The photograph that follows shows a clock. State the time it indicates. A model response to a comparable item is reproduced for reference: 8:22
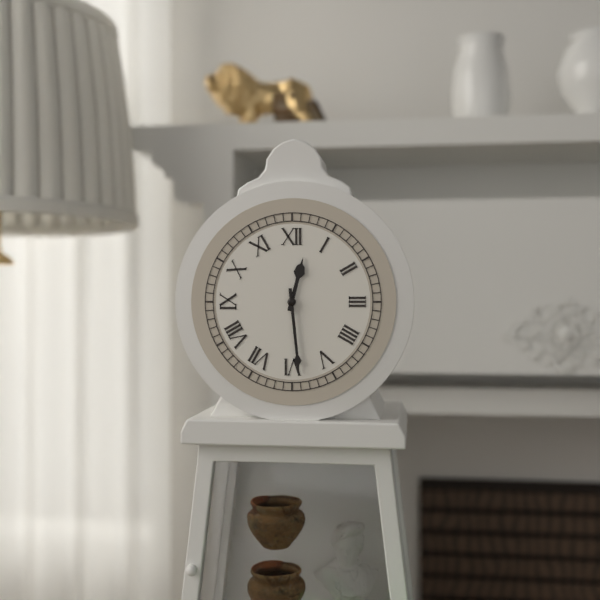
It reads 12:29
